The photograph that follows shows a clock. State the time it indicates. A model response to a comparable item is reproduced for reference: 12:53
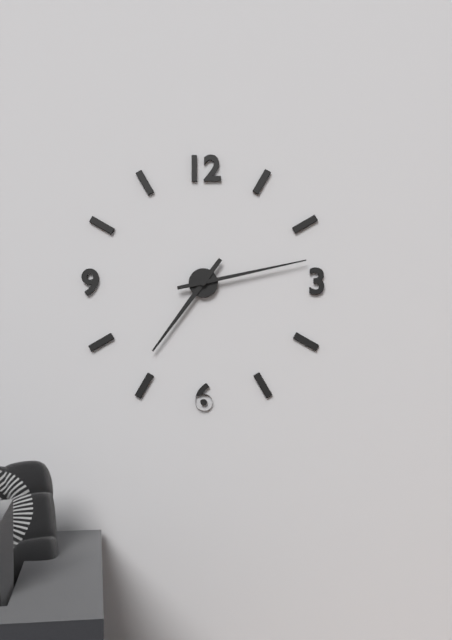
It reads 7:13
